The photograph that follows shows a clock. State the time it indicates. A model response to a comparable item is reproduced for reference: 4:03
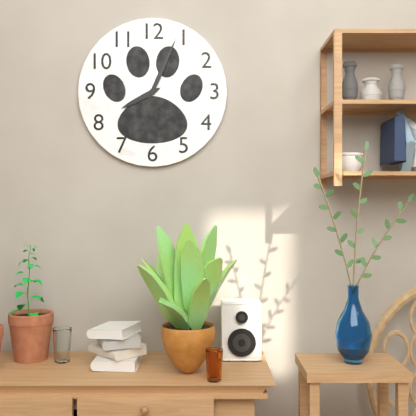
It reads 8:04
